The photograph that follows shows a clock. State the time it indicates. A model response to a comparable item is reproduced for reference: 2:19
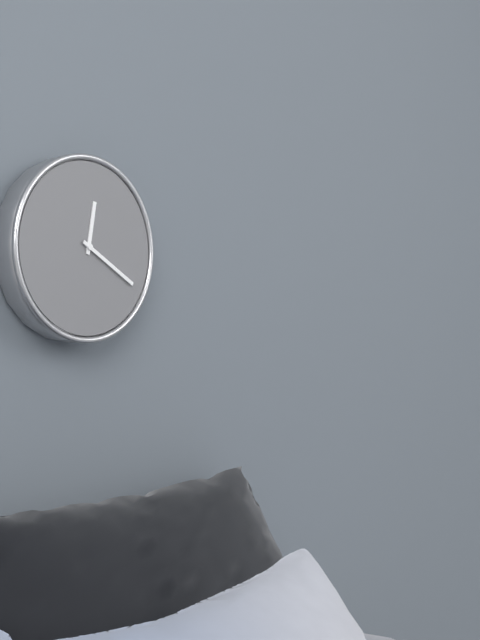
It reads 12:20
